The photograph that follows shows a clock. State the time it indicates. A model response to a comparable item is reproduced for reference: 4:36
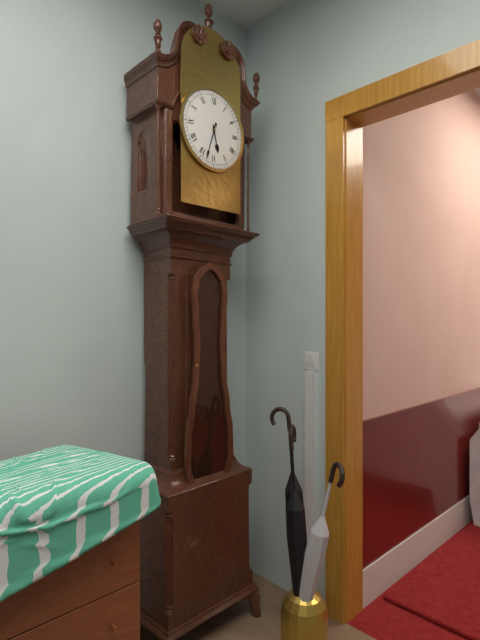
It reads 5:33
